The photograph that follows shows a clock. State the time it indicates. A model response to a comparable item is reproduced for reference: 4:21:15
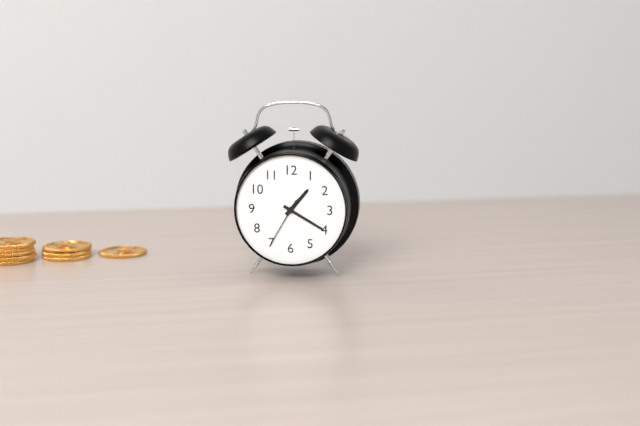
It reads 1:20:35
